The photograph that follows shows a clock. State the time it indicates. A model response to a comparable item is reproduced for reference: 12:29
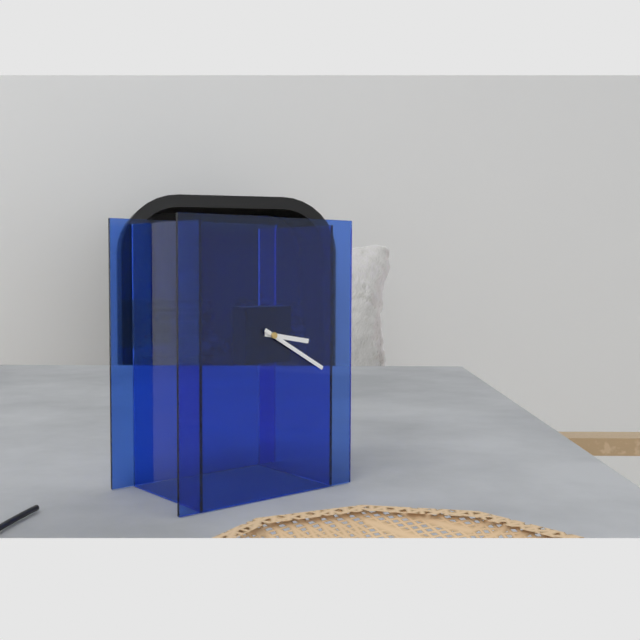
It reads 3:20
